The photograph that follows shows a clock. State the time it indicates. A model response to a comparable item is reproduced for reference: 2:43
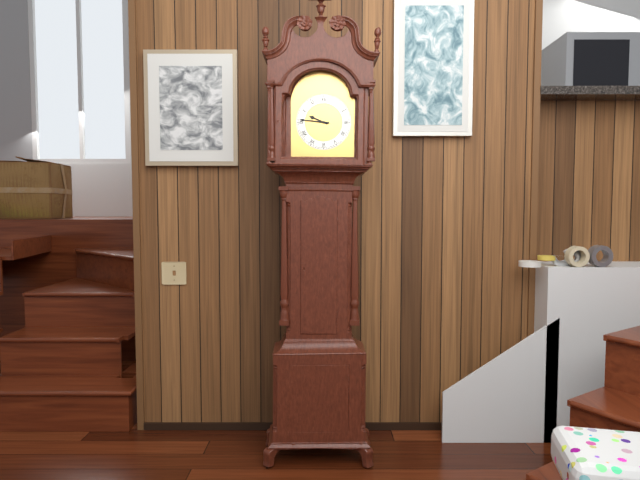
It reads 9:46
